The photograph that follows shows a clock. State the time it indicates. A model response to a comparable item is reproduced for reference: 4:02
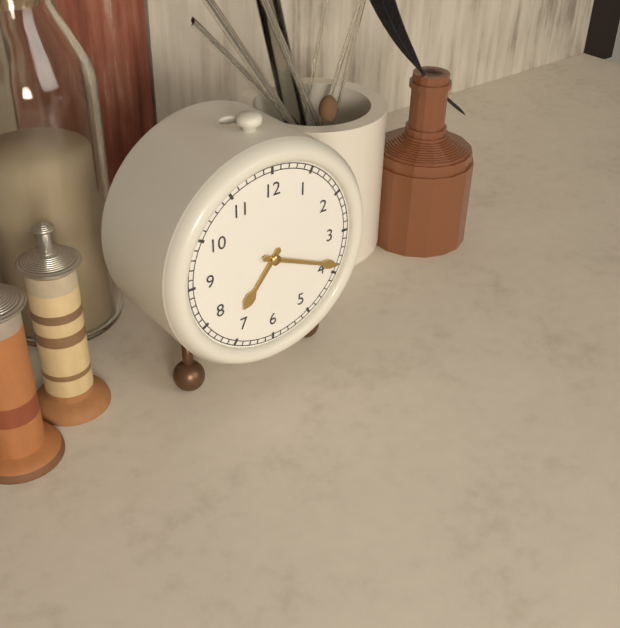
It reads 7:19
